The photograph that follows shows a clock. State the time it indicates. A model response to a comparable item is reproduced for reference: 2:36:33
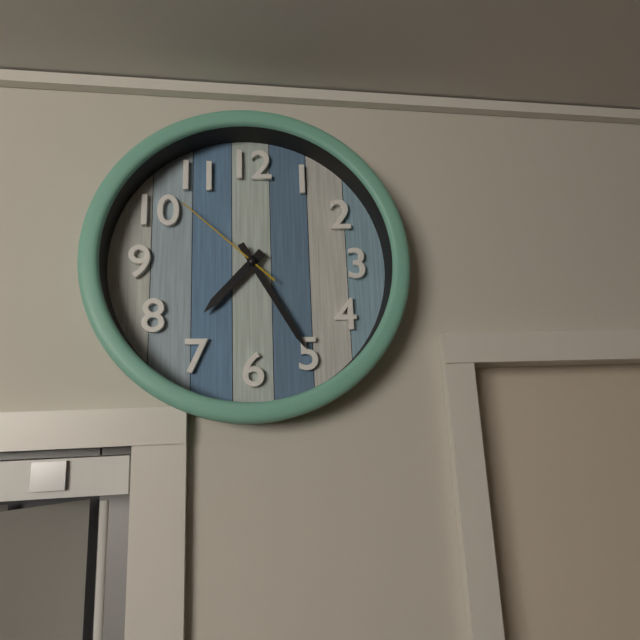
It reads 7:25:52
